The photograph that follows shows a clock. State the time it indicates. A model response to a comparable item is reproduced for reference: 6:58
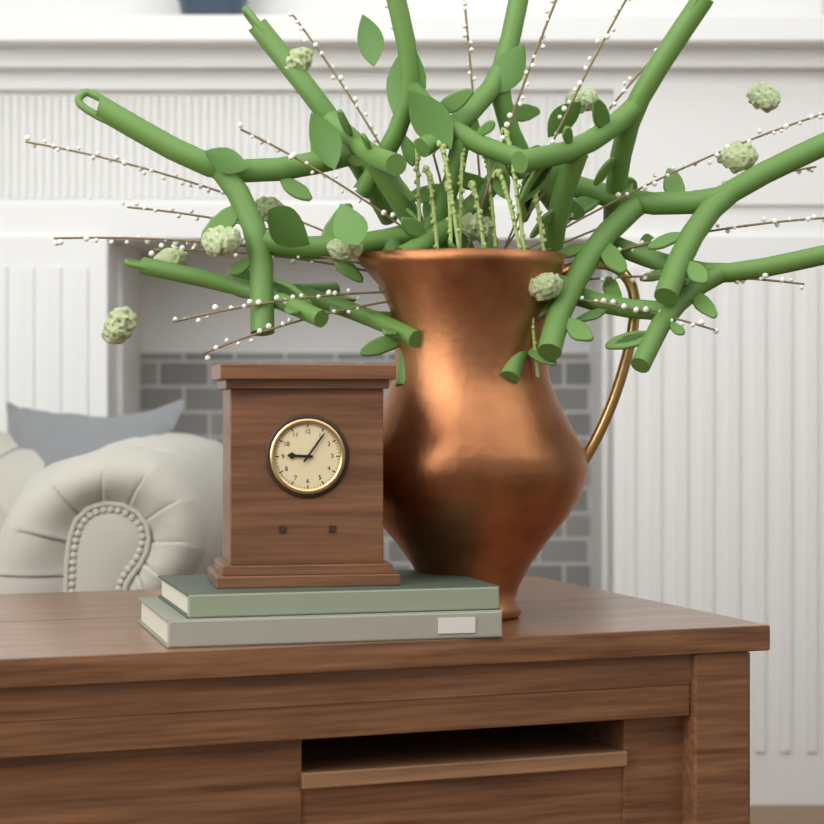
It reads 9:06
